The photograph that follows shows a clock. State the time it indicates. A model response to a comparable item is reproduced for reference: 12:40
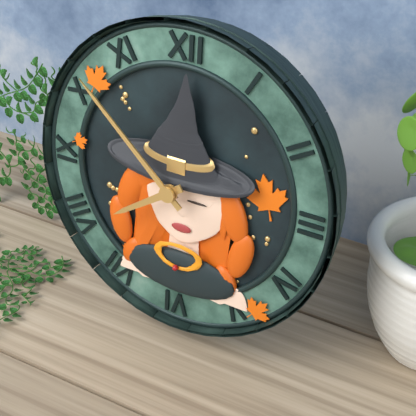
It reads 7:52
